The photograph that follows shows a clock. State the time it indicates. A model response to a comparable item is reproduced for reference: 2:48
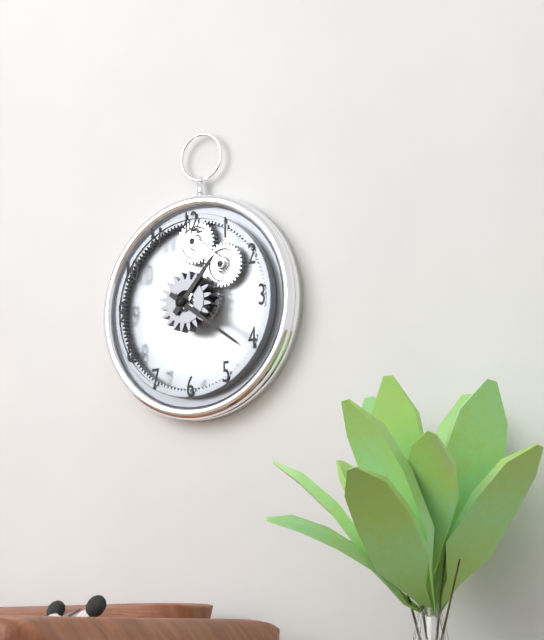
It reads 1:21
